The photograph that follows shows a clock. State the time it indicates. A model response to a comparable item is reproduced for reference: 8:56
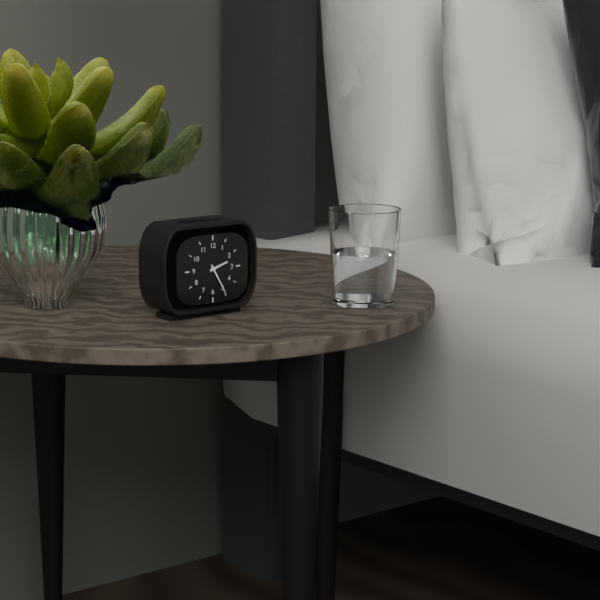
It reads 2:25
